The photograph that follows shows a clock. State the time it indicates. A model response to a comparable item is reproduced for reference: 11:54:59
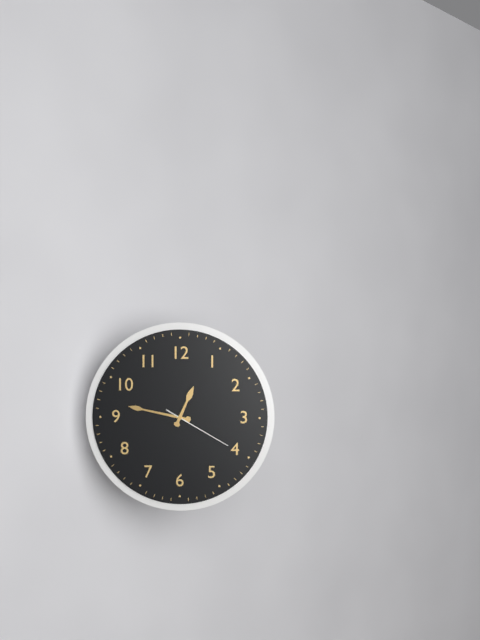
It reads 12:47:20
